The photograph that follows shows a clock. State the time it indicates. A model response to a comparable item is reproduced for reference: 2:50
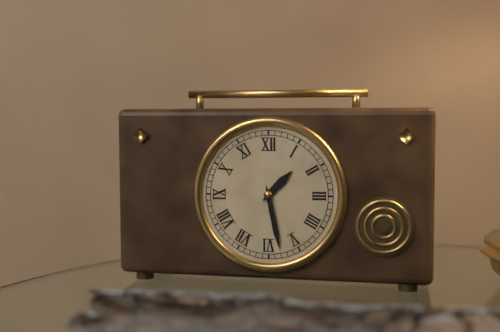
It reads 1:28
